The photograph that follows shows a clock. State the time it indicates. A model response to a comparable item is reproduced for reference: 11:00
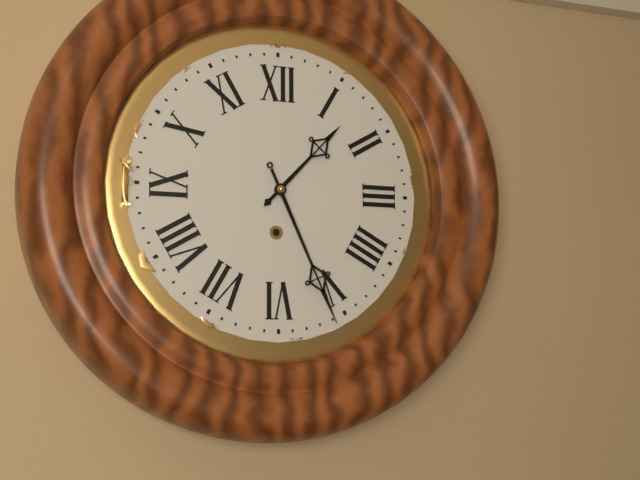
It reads 1:26
